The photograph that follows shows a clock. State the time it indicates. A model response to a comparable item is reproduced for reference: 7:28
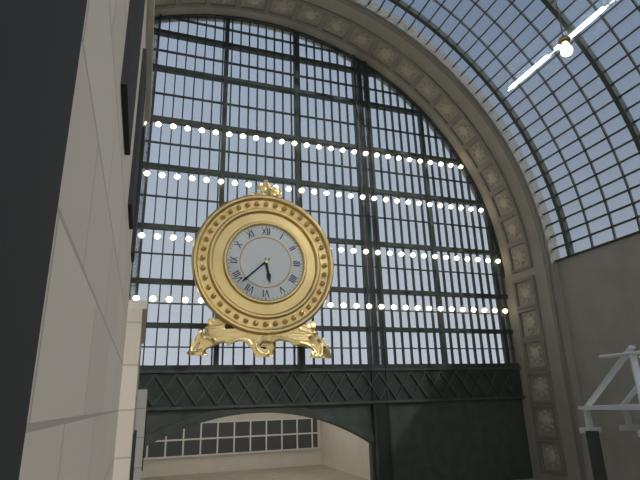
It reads 5:38
